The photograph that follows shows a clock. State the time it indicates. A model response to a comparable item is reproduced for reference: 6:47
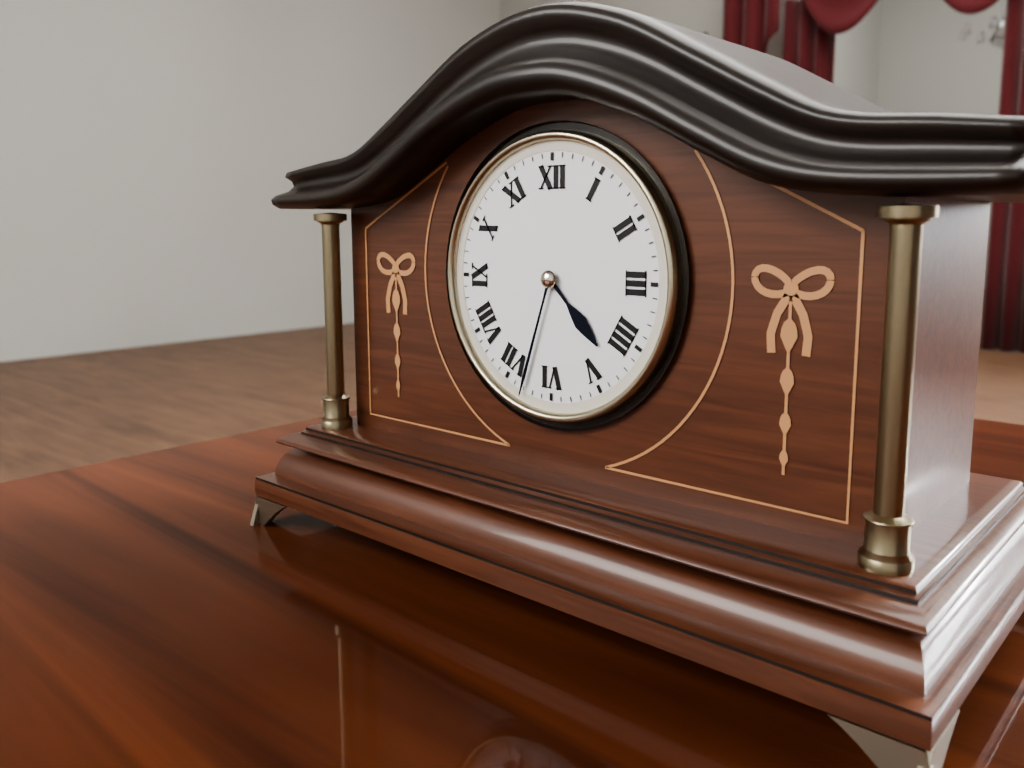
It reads 4:33
